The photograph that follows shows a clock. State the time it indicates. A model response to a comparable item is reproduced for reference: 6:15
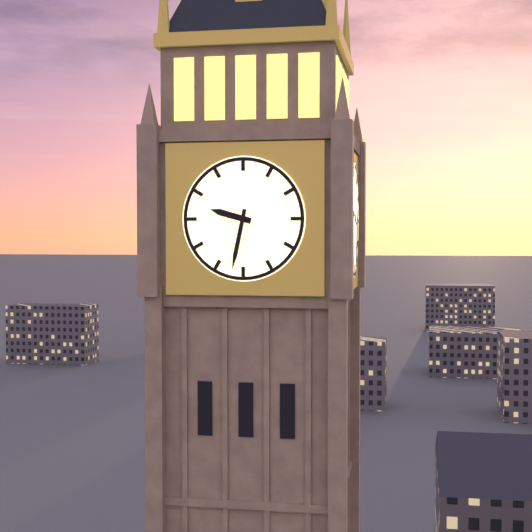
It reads 9:32
